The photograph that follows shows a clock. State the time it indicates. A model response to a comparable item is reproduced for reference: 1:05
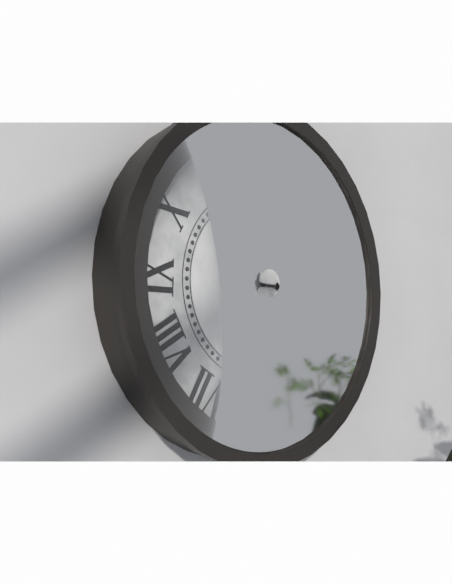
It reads 3:02
